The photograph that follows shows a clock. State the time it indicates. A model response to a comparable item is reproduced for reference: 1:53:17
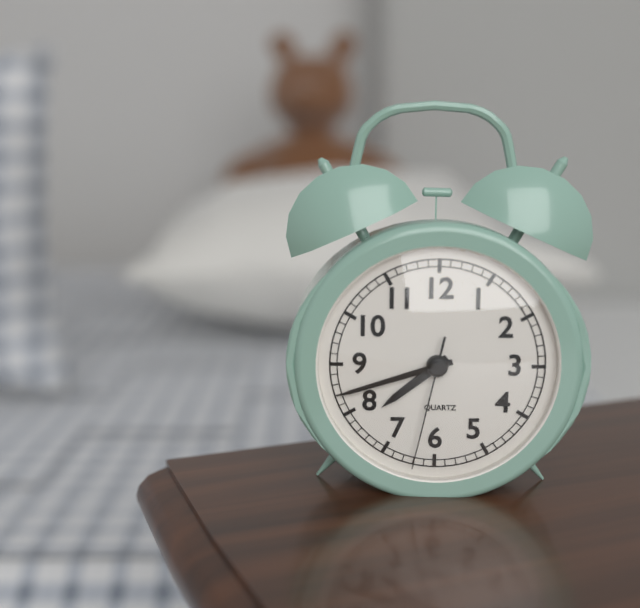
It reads 7:42:32
